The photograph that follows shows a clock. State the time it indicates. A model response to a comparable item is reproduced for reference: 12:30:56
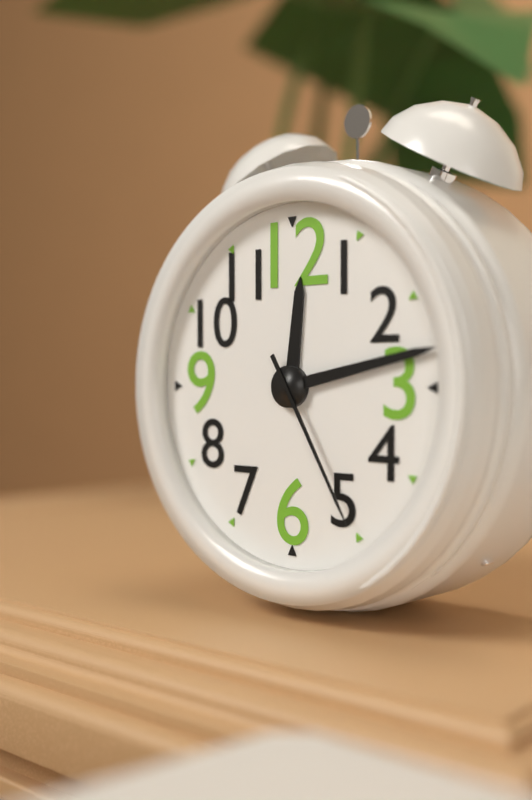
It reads 12:13:25
